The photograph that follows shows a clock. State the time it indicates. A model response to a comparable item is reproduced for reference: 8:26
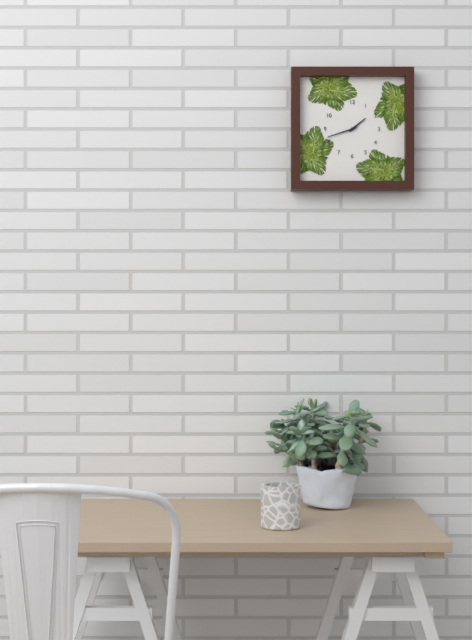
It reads 1:42
